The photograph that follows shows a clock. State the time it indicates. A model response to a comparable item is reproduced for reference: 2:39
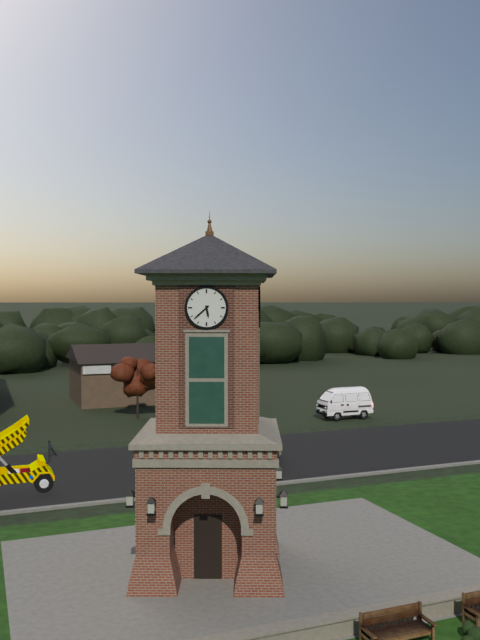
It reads 5:38
